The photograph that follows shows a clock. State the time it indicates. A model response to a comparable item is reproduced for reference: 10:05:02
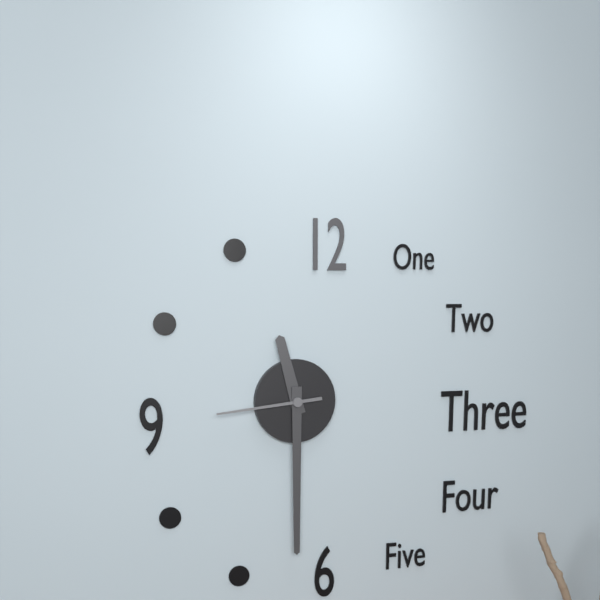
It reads 11:30:44
